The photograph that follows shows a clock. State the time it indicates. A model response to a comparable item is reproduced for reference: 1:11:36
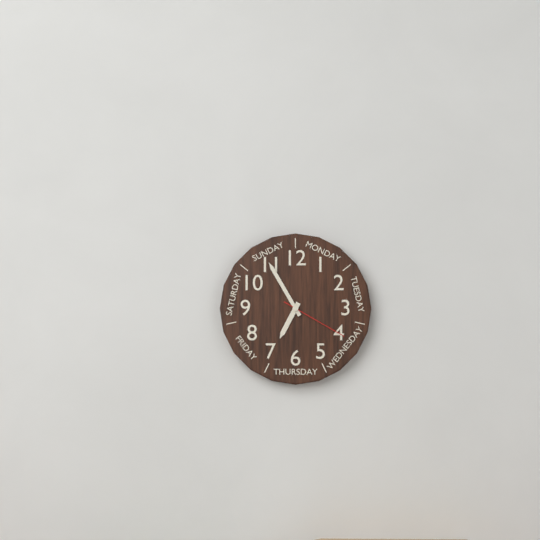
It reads 6:55:20
